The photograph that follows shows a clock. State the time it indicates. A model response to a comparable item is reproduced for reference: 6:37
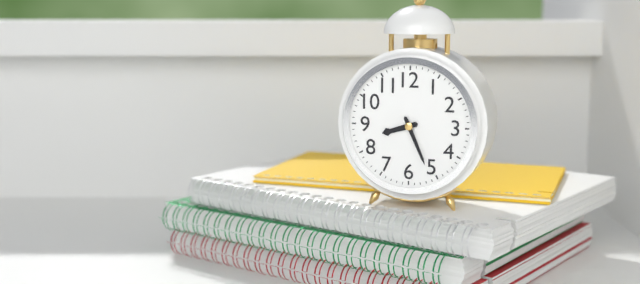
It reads 8:26
